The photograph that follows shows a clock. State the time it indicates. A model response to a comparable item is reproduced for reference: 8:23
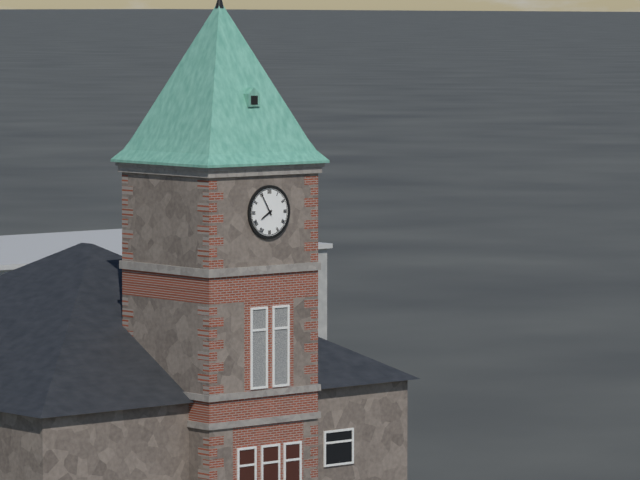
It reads 7:55
